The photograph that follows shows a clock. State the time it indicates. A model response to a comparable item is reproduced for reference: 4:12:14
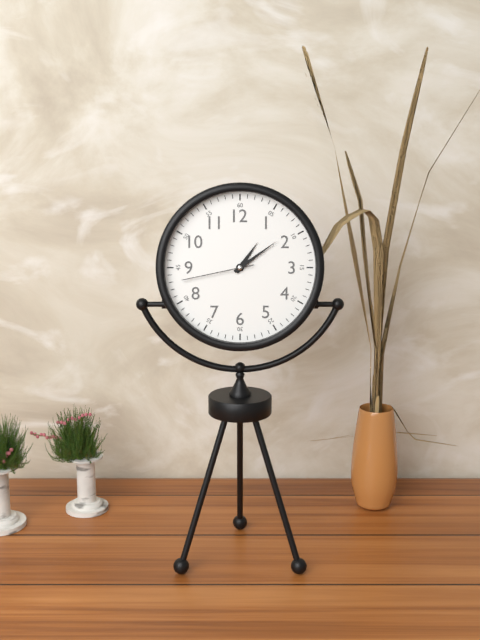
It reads 1:09:43
